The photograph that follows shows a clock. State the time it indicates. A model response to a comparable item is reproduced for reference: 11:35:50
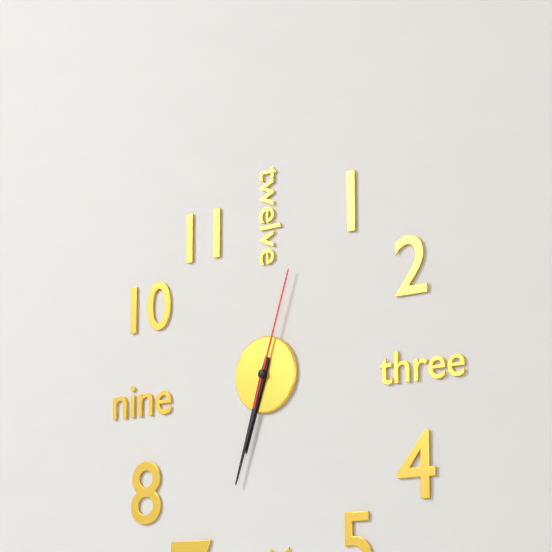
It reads 6:33:03
